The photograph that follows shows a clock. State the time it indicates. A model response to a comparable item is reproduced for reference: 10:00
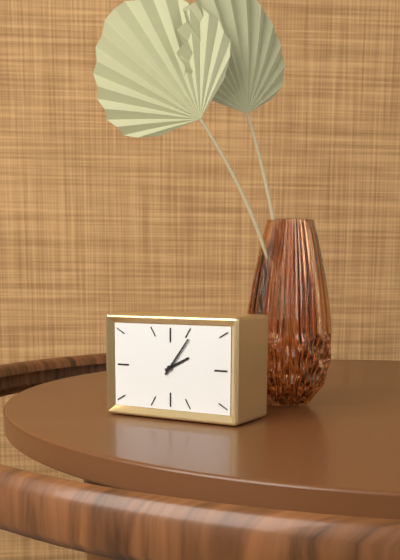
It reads 2:06
